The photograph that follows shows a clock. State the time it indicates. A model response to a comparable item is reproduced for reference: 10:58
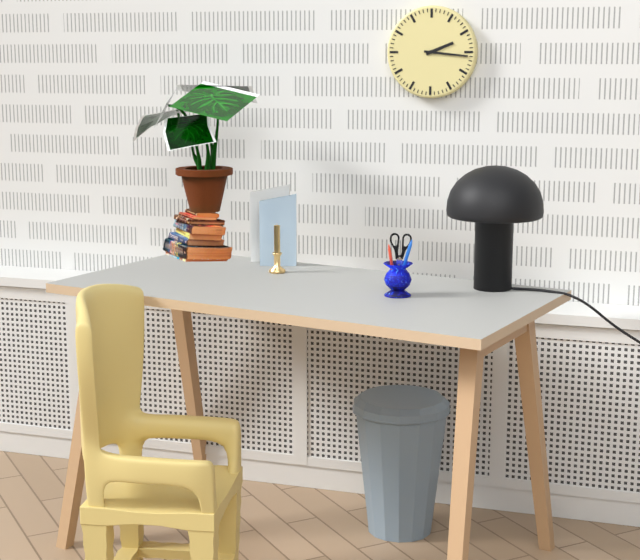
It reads 2:16
